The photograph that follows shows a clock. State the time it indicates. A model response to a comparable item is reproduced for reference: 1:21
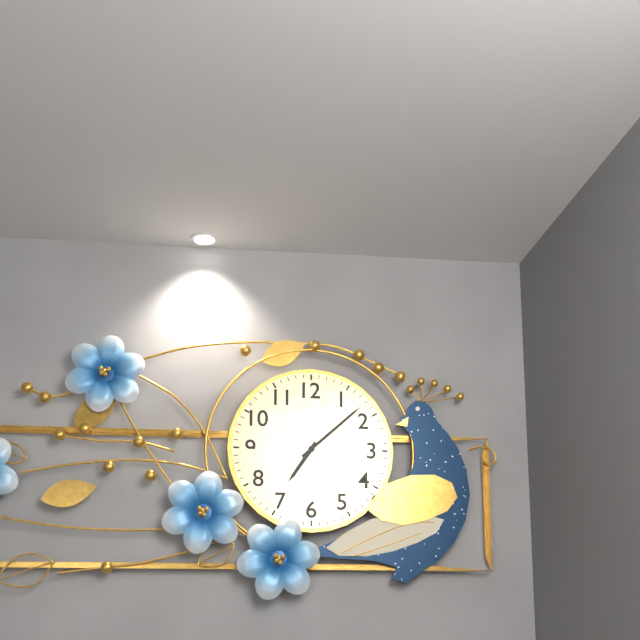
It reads 7:08
